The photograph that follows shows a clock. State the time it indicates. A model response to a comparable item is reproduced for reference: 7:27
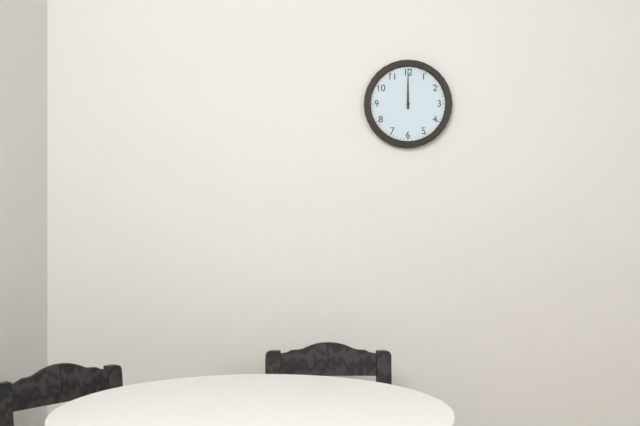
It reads 12:00
